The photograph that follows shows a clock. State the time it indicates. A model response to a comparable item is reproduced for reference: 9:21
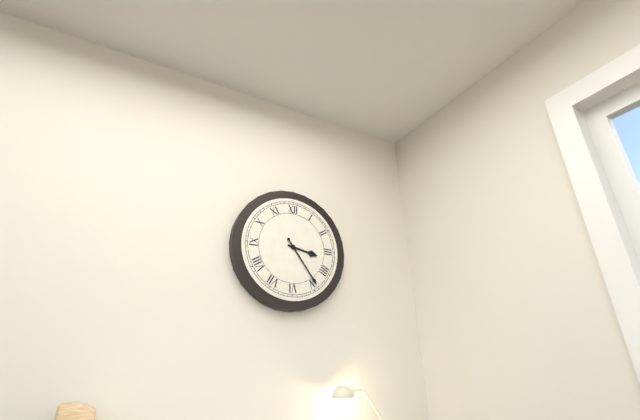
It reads 3:24
